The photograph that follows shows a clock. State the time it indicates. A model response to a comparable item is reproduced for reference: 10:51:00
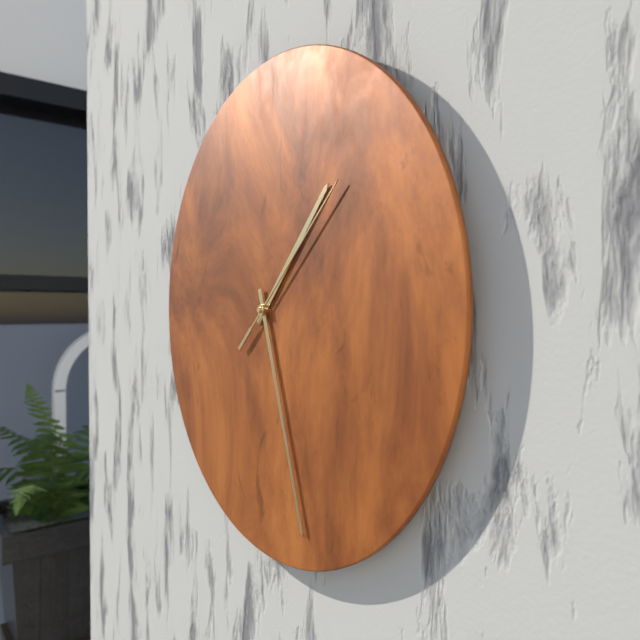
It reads 1:27:08
